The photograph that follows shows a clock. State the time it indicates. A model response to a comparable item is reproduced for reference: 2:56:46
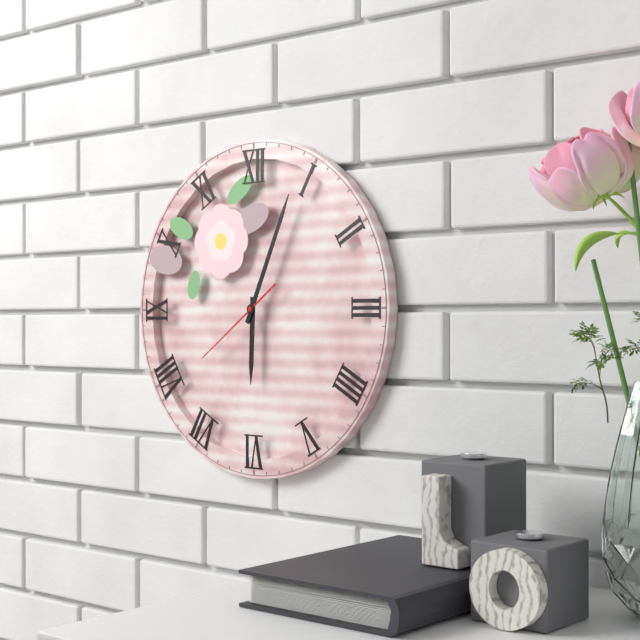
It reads 6:04:39
